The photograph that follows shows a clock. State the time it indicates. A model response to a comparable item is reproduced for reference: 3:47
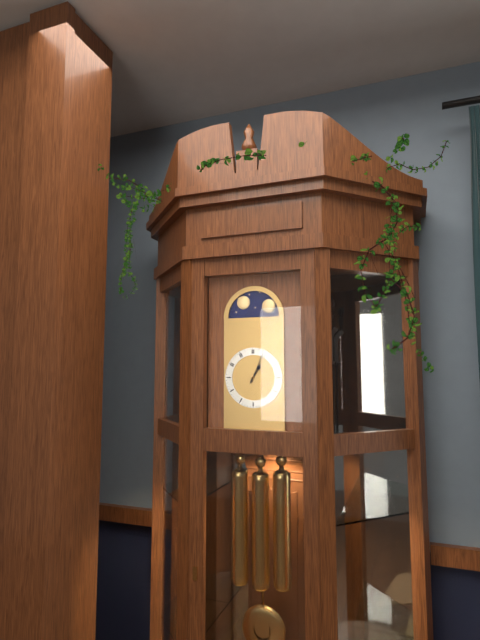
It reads 1:04
